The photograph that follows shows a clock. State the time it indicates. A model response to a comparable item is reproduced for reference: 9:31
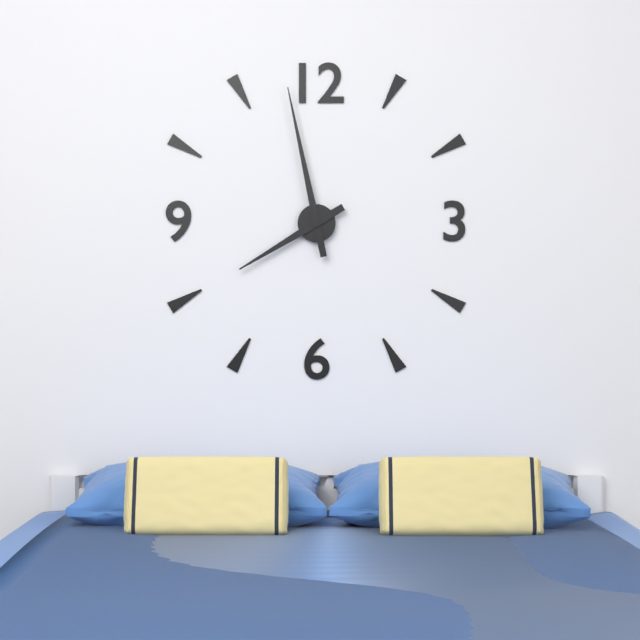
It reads 7:58
